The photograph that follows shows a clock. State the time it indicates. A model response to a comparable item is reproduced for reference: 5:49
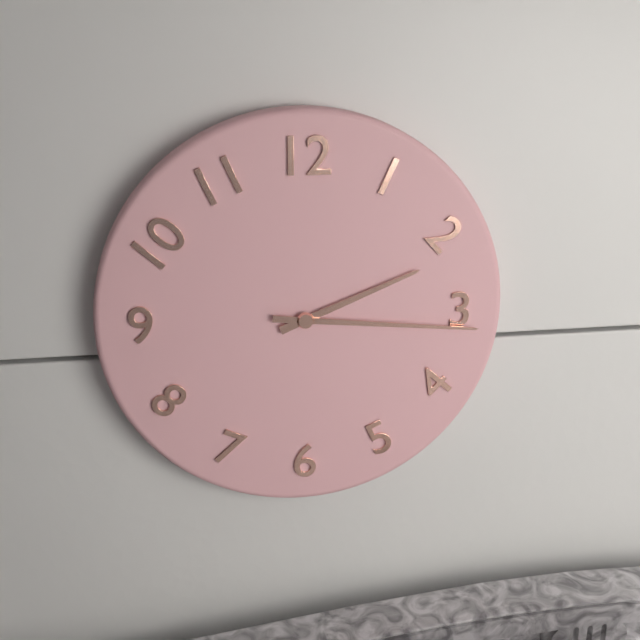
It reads 2:16
